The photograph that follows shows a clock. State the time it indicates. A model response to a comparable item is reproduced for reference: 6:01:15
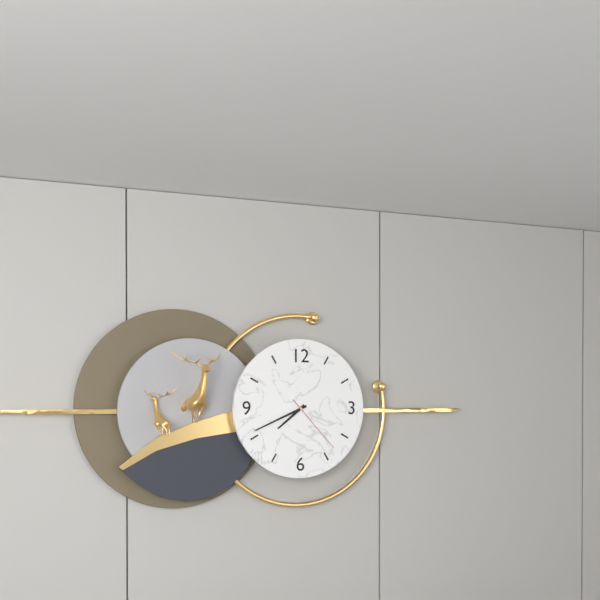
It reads 7:41:23
